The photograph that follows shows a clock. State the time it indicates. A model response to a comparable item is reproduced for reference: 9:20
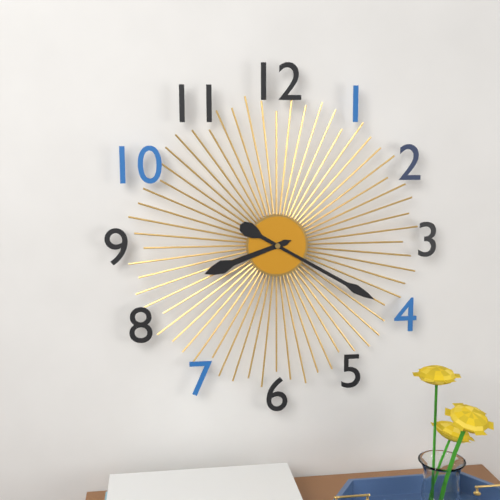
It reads 8:20
